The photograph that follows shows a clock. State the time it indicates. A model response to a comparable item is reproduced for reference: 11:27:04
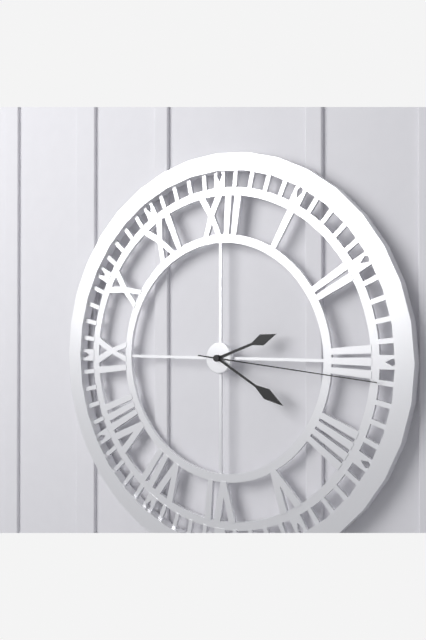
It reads 2:20:16
